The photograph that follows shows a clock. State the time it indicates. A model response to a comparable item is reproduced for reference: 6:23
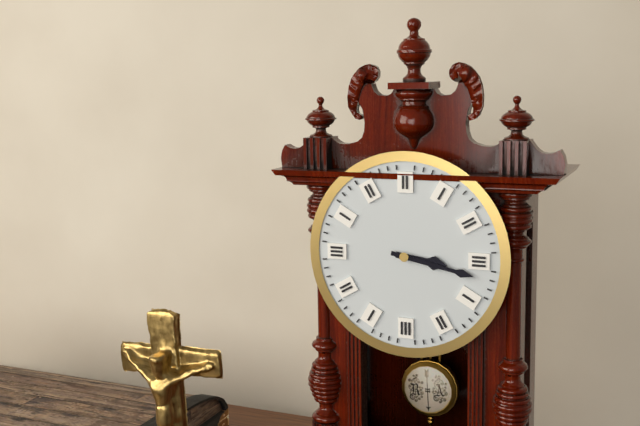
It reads 3:17
